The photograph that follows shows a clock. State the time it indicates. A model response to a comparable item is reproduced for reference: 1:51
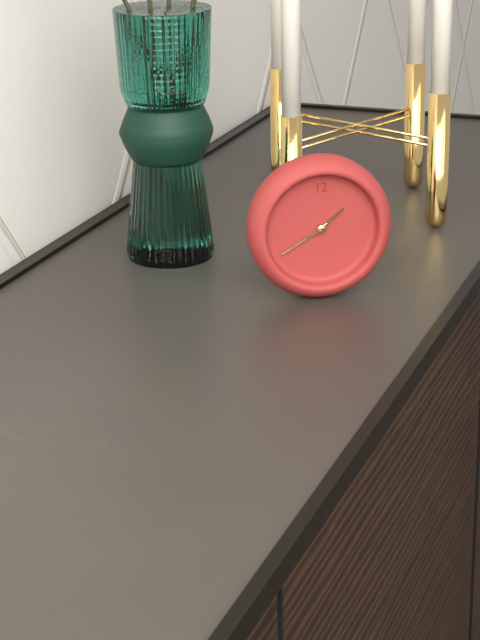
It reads 1:40
